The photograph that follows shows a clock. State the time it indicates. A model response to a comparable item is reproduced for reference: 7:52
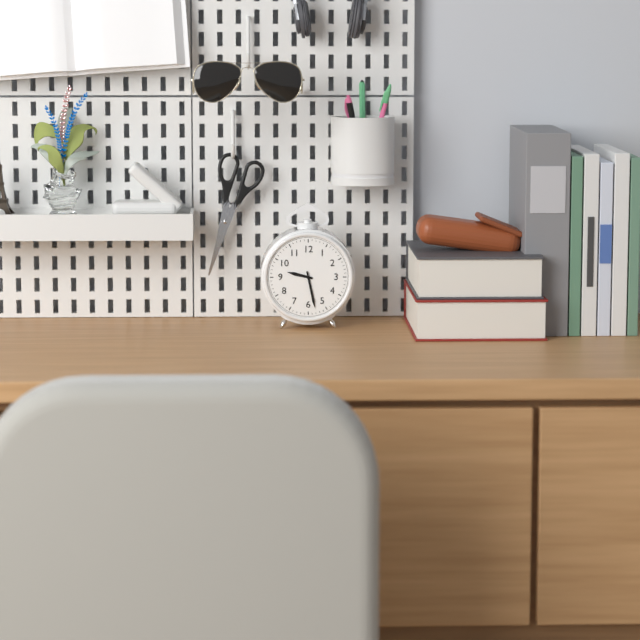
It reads 9:28
